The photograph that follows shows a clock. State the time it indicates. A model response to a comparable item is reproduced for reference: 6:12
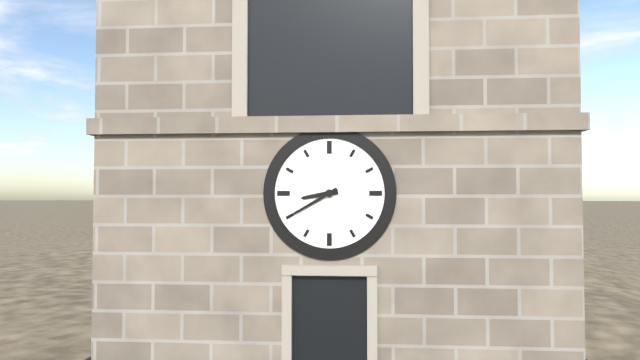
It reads 8:40
